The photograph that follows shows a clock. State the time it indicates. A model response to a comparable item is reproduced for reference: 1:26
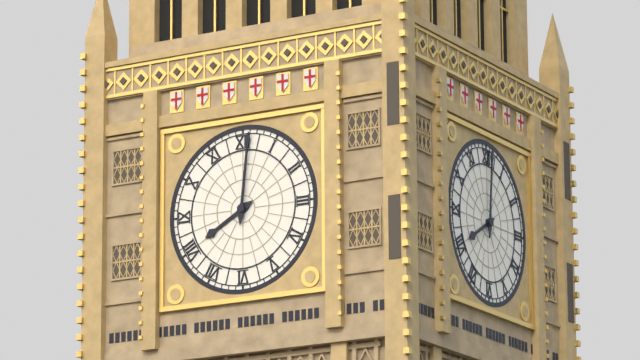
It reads 8:01
